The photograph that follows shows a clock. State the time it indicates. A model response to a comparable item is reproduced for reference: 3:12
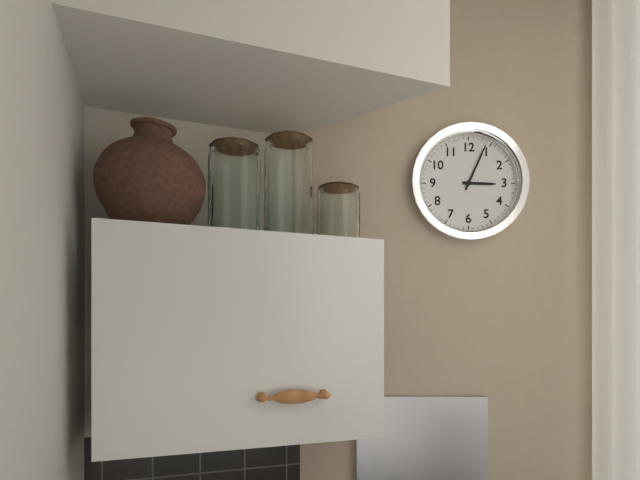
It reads 3:04
